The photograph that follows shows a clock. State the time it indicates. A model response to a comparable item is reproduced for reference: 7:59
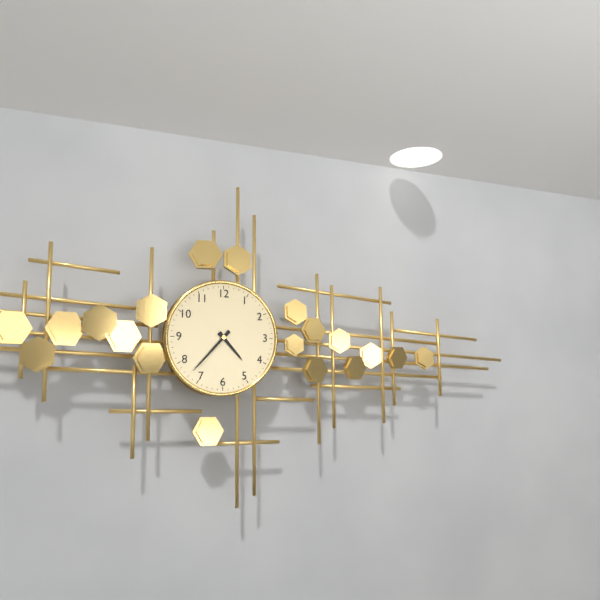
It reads 4:37
